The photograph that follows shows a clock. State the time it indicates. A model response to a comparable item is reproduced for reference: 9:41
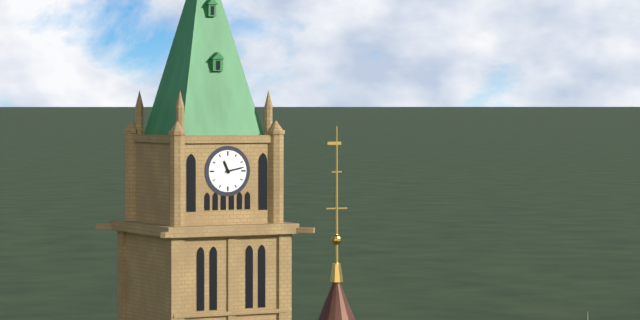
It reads 11:13
